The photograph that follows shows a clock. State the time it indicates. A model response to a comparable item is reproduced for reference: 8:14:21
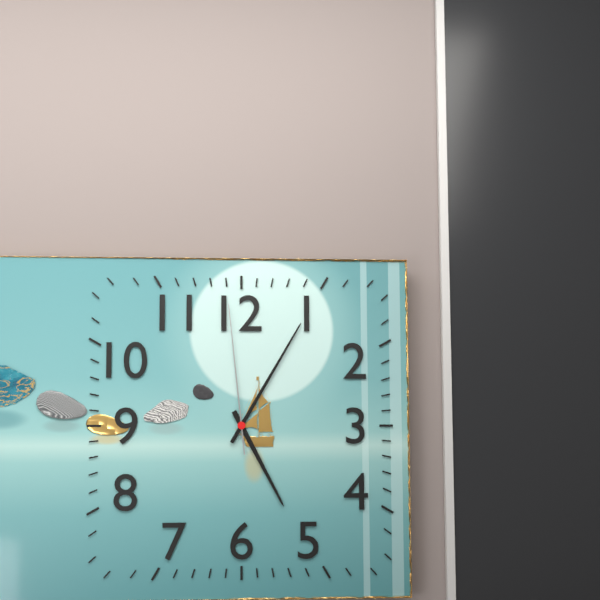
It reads 5:05:59
